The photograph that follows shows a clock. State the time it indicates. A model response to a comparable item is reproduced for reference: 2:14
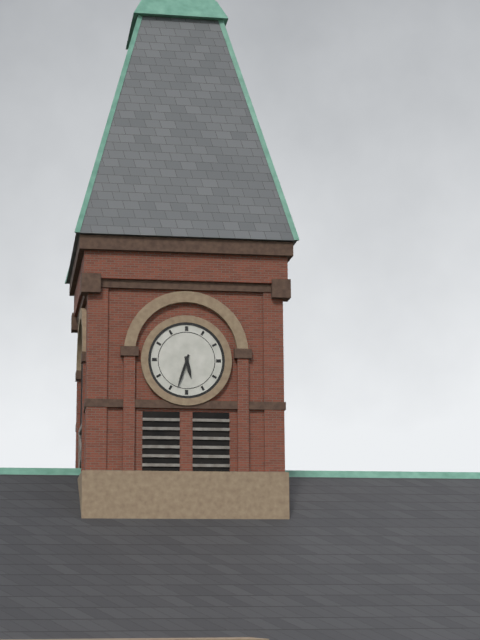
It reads 5:33
